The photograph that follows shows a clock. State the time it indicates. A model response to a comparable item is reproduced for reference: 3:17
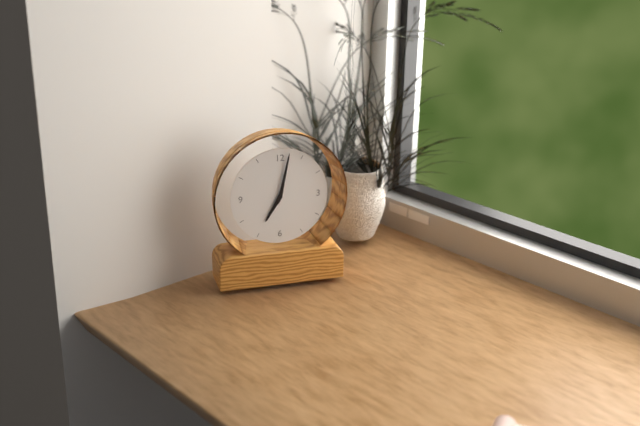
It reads 7:02
